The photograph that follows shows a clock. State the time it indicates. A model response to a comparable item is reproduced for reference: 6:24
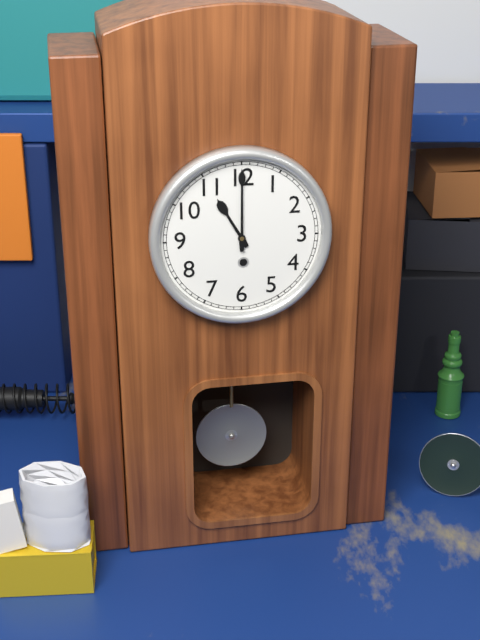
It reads 11:00
